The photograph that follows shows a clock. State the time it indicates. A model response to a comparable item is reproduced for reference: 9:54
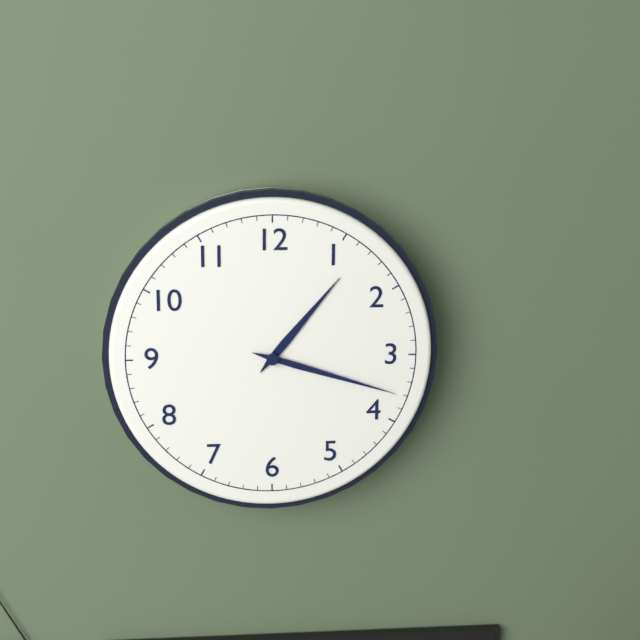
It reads 1:18
